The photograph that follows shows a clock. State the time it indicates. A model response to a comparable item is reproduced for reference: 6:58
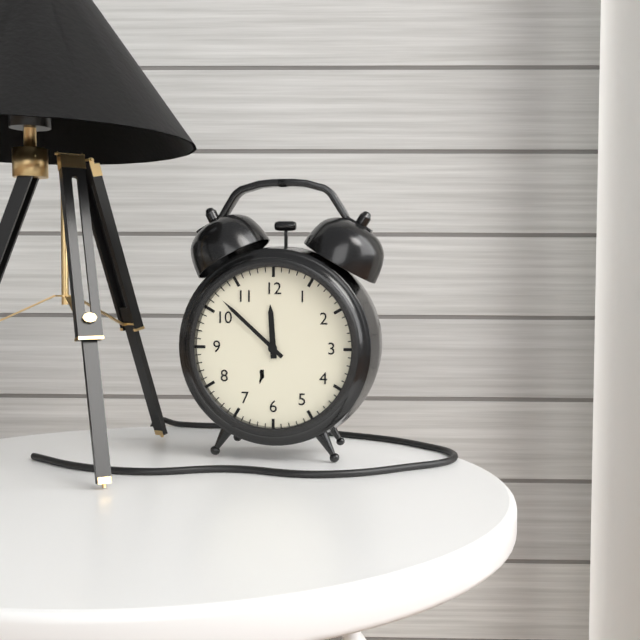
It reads 11:52
